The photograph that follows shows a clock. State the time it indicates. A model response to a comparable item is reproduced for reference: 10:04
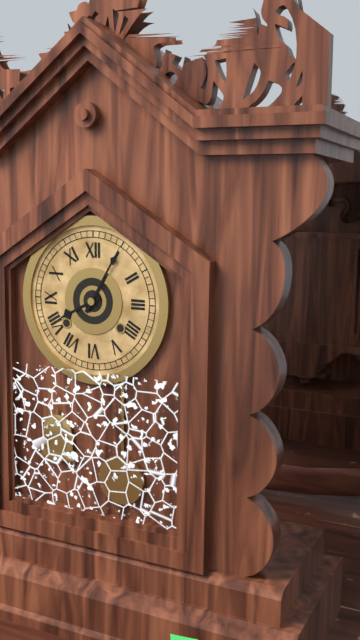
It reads 8:05
